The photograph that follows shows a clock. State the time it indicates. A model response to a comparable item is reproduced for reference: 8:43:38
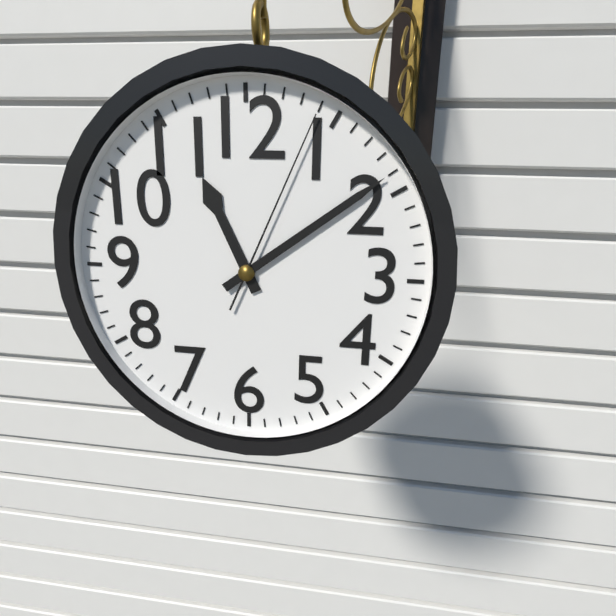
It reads 11:09:04
